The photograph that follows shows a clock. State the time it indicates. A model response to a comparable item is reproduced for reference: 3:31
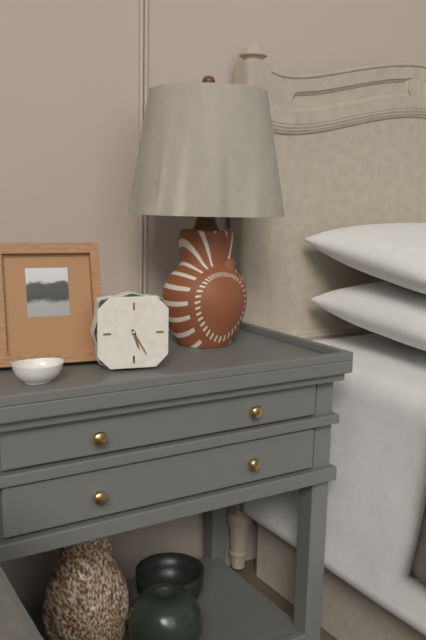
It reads 5:25
